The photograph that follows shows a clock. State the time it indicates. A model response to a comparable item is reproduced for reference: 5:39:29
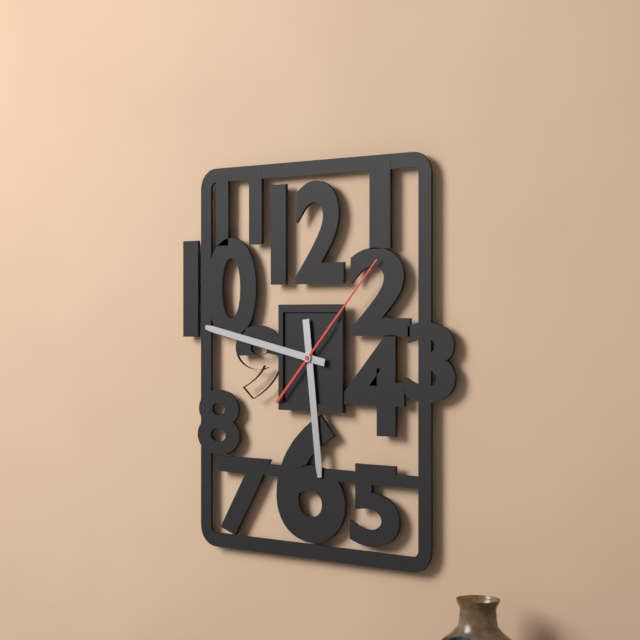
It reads 5:47:07
